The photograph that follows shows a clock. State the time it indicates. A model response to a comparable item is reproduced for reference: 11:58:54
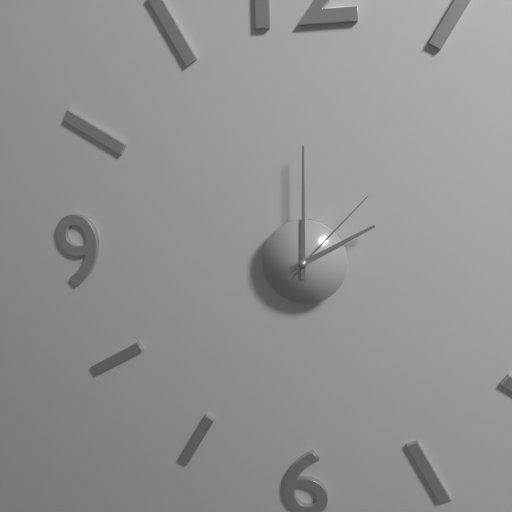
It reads 2:00:07
